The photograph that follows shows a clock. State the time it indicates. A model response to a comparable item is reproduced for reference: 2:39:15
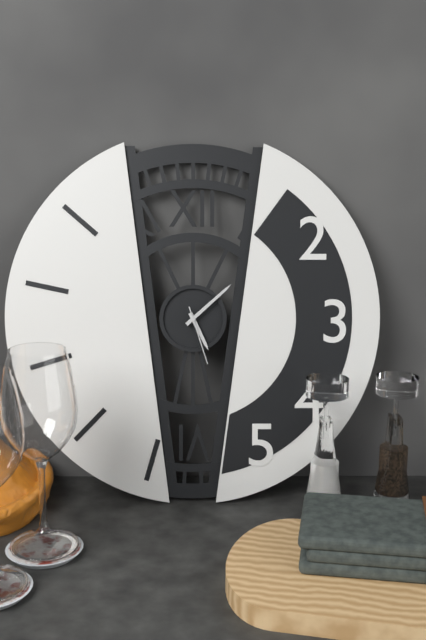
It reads 5:08:27
